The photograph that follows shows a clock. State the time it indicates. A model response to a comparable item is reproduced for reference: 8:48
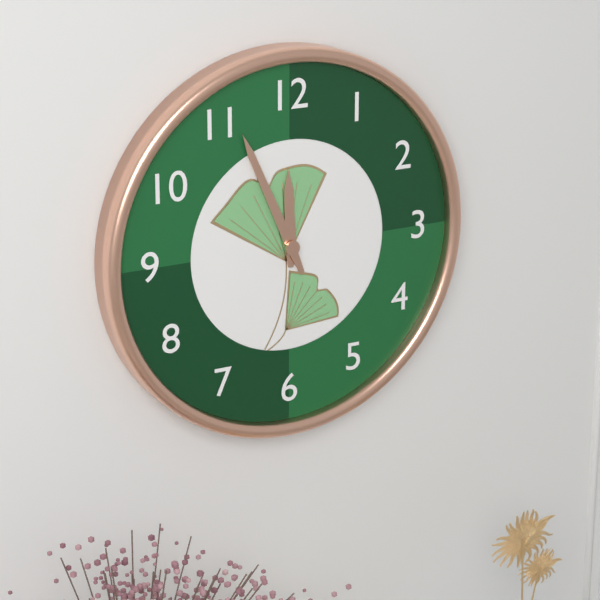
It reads 11:56
